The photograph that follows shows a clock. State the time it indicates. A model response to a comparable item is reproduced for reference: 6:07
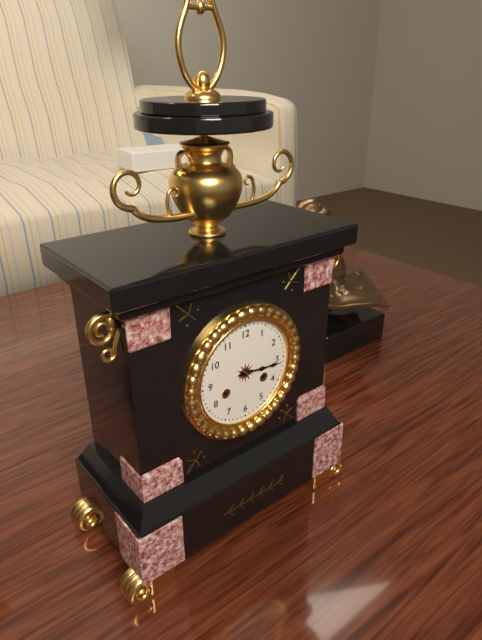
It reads 3:16
